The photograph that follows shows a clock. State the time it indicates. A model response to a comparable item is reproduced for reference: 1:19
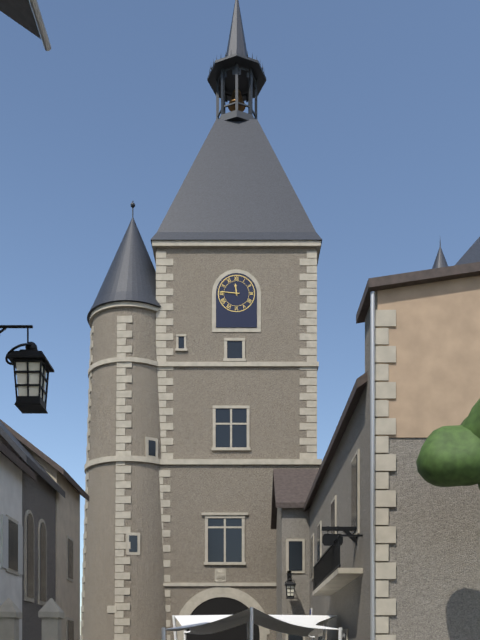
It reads 11:46
